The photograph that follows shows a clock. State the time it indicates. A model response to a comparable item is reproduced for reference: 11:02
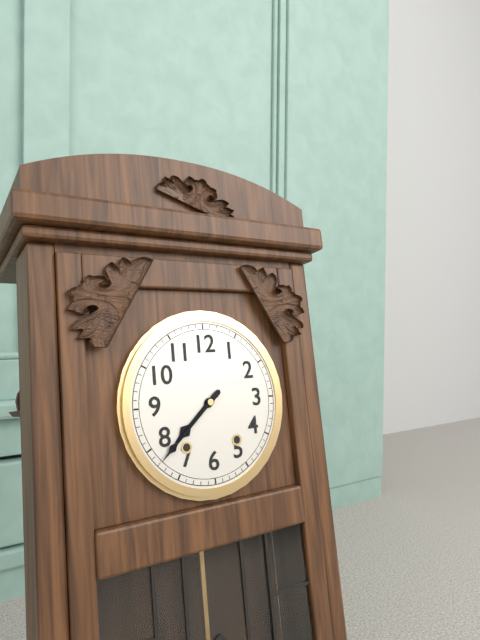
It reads 7:38
